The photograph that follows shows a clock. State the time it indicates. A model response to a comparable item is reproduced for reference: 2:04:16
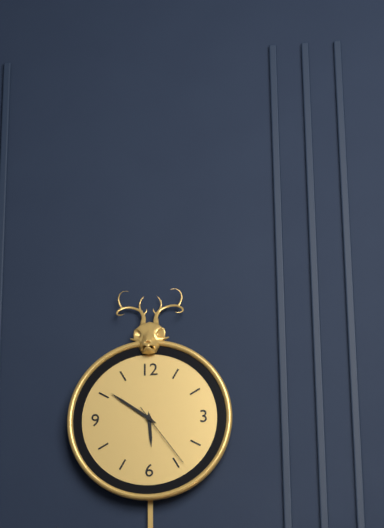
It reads 5:51:24
